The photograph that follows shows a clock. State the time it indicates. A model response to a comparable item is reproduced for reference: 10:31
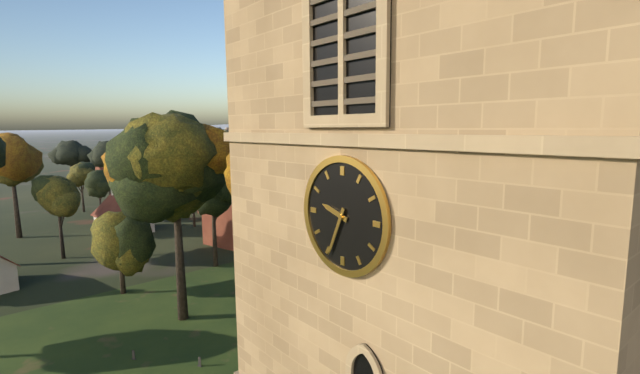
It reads 9:34
